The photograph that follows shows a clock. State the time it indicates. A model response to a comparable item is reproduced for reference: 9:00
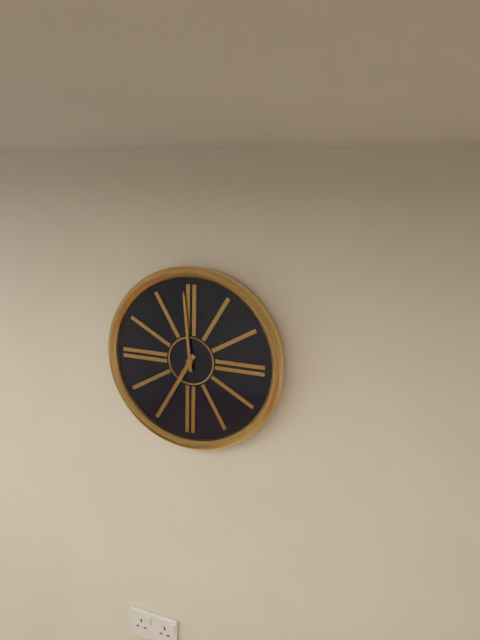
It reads 6:59
